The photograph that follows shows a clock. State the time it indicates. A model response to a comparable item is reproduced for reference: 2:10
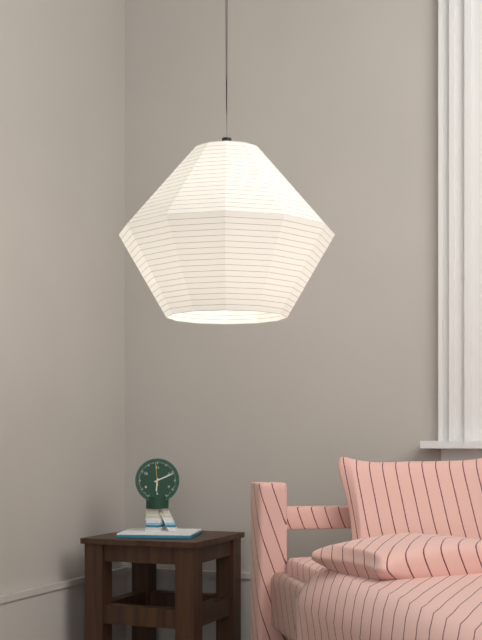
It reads 6:11
